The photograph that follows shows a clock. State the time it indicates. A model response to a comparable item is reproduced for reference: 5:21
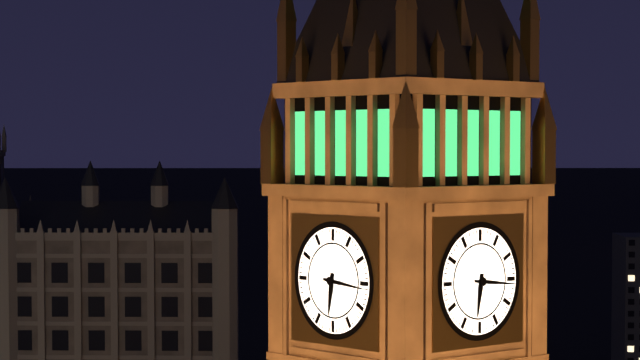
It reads 6:16
